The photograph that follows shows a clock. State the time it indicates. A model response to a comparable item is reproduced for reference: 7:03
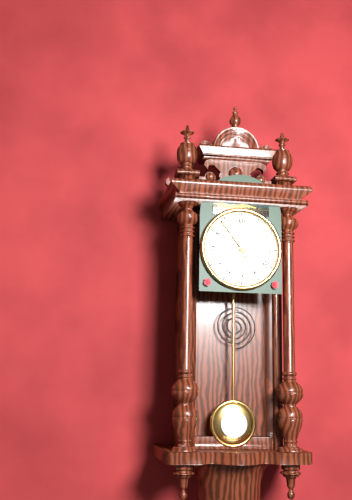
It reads 10:54
